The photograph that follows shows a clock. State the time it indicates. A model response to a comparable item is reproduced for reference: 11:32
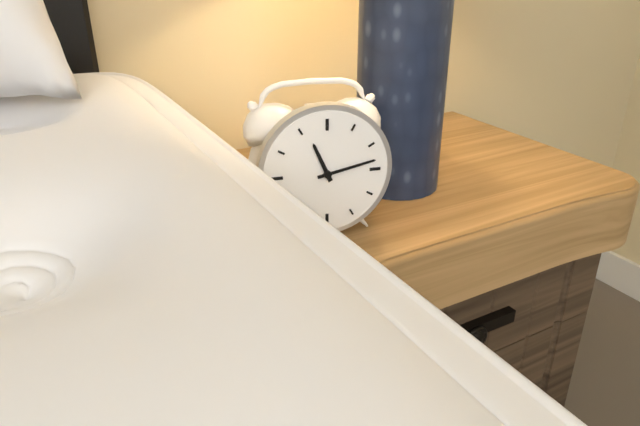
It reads 11:13
